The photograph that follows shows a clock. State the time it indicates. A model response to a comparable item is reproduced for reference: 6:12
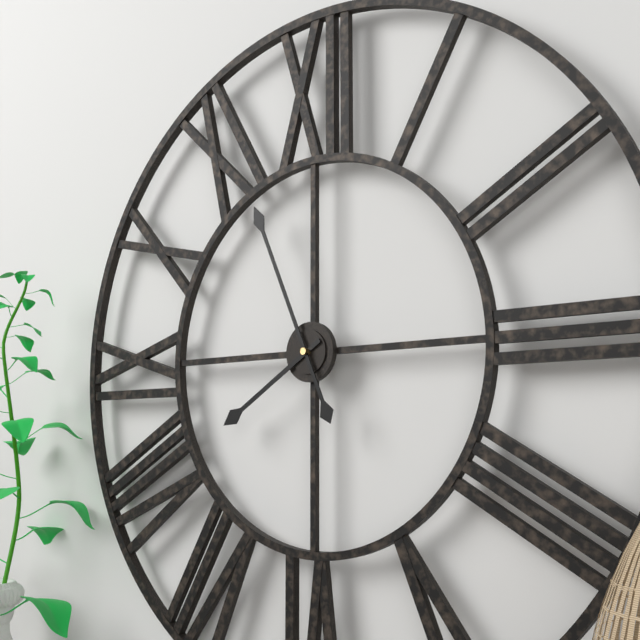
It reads 7:56
